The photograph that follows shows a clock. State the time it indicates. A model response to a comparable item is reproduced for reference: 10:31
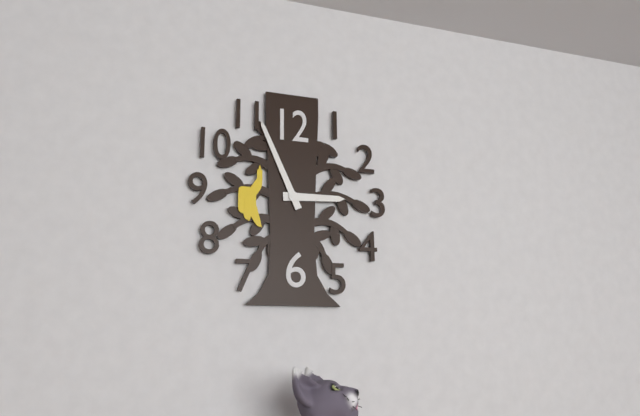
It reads 2:56
